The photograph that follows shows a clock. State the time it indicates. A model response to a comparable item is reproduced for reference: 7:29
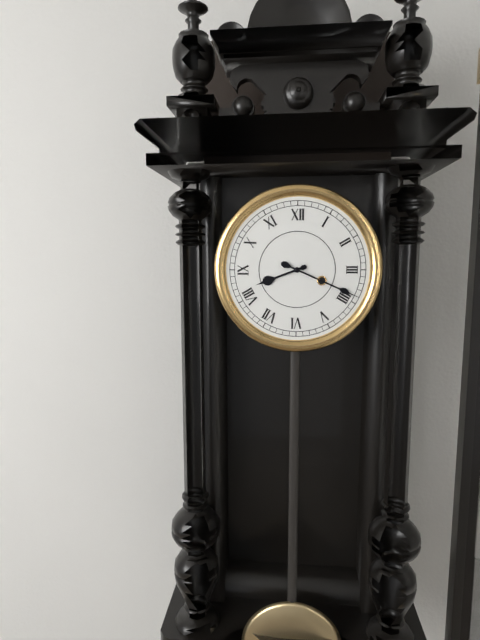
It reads 8:19
